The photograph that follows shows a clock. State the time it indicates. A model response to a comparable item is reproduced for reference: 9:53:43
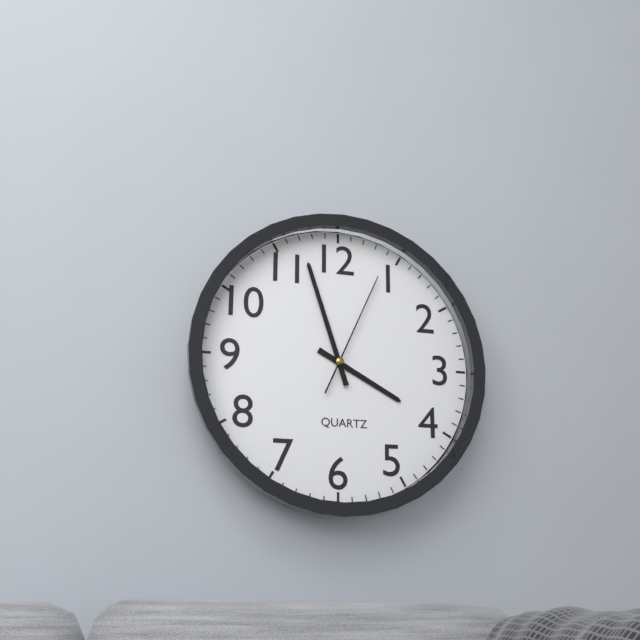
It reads 3:57:04
